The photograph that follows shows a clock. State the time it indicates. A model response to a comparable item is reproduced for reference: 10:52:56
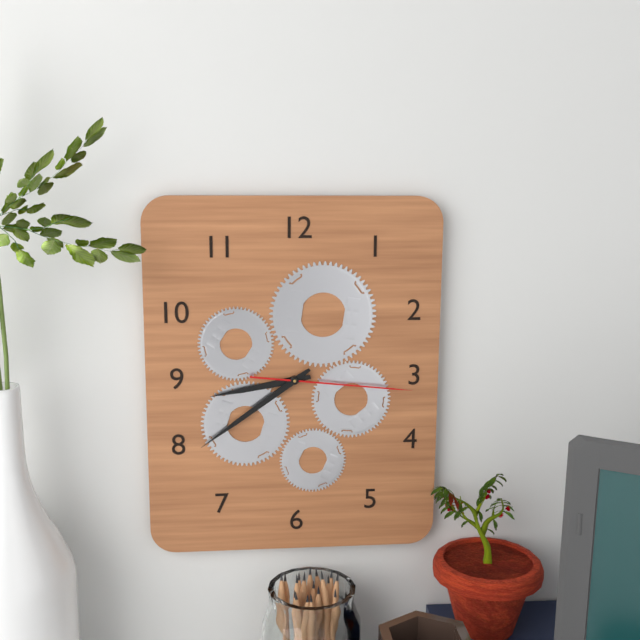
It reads 8:39:16
